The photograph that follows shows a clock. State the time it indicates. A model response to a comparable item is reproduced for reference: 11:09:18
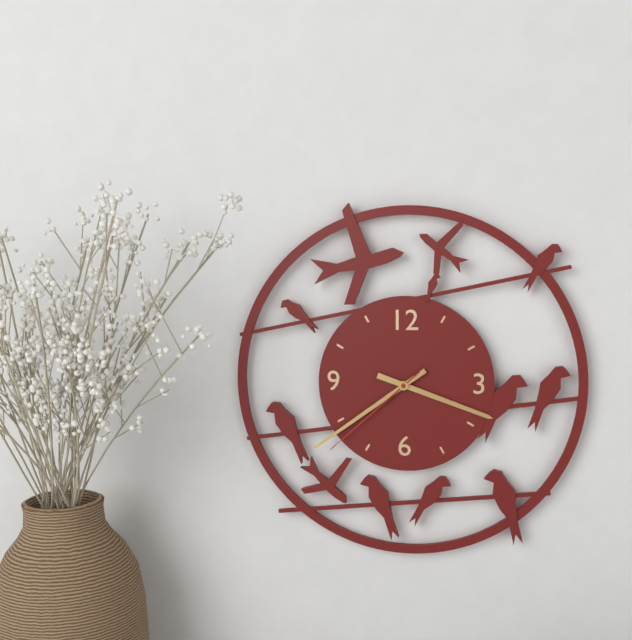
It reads 3:39:38
